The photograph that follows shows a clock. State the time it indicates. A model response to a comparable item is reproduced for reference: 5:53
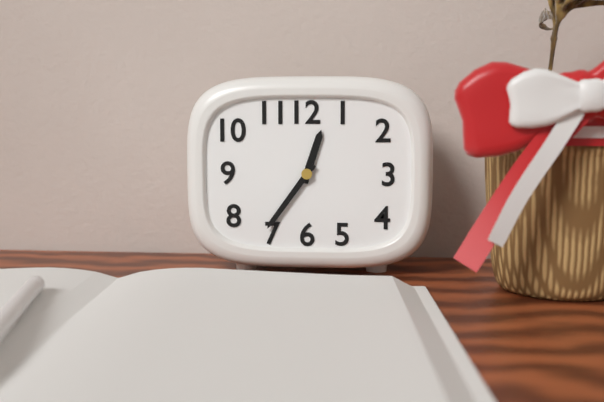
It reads 12:36
